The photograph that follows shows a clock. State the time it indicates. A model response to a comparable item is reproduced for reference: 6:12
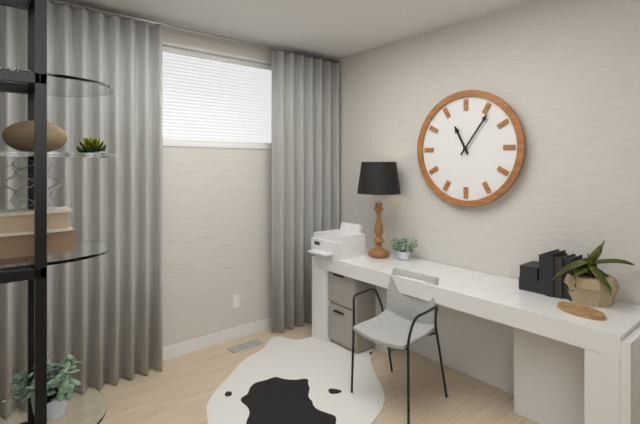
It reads 11:06
